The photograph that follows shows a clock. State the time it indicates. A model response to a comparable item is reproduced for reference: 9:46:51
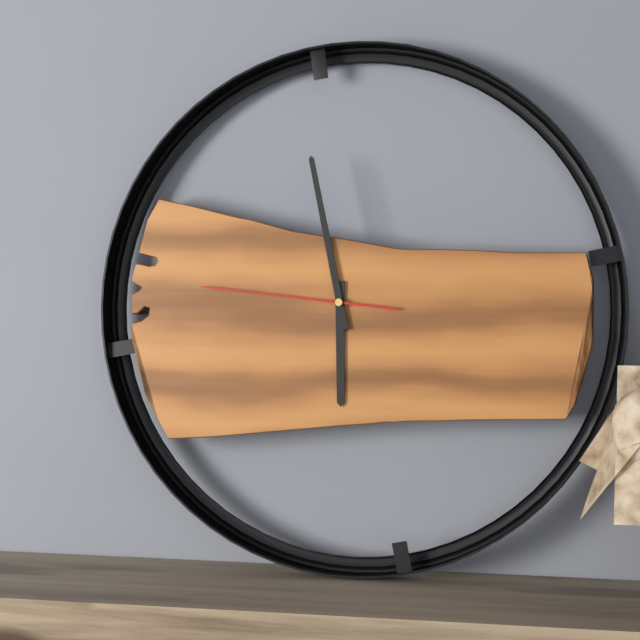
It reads 5:58:46
